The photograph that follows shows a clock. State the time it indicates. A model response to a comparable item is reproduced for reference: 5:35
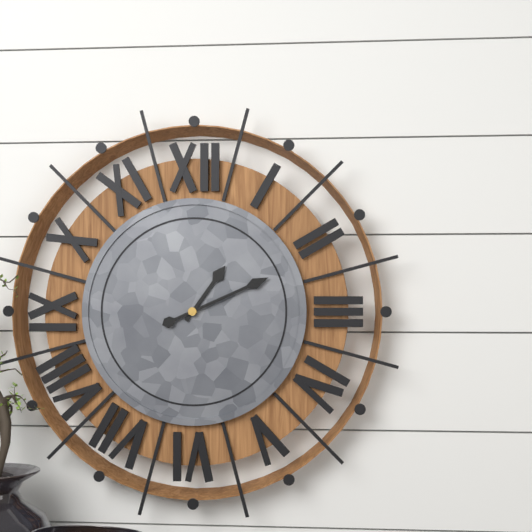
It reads 1:11
